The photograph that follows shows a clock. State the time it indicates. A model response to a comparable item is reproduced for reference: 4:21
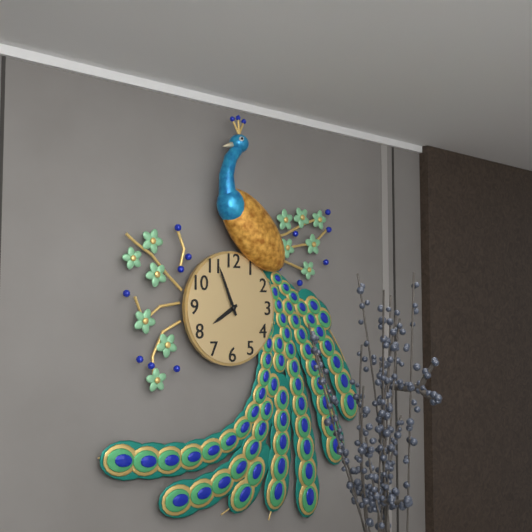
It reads 7:56
